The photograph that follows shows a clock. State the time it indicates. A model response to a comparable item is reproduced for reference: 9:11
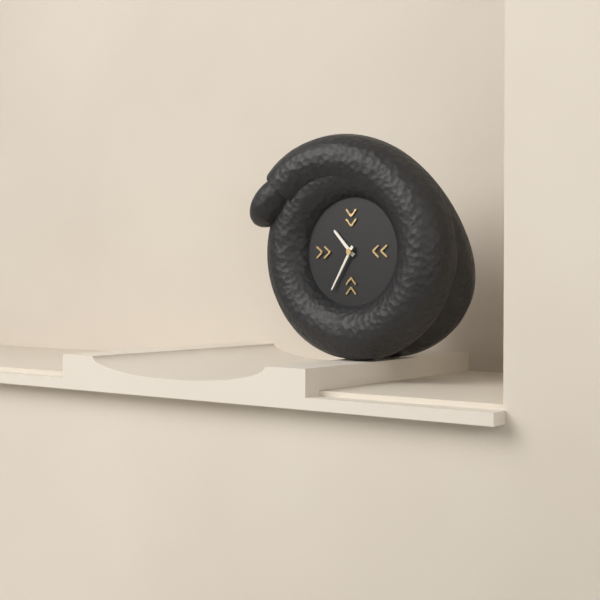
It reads 10:35
